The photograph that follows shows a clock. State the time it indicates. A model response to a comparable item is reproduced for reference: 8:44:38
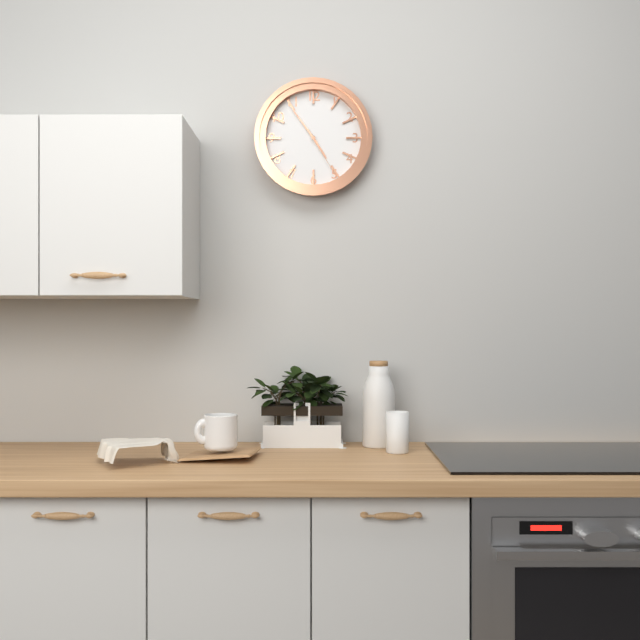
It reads 4:54:25
